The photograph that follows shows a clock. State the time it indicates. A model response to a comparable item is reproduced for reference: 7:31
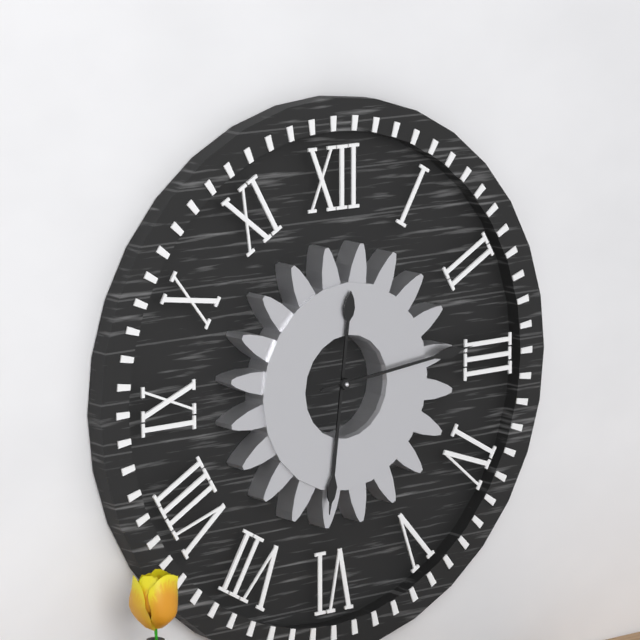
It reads 6:14
